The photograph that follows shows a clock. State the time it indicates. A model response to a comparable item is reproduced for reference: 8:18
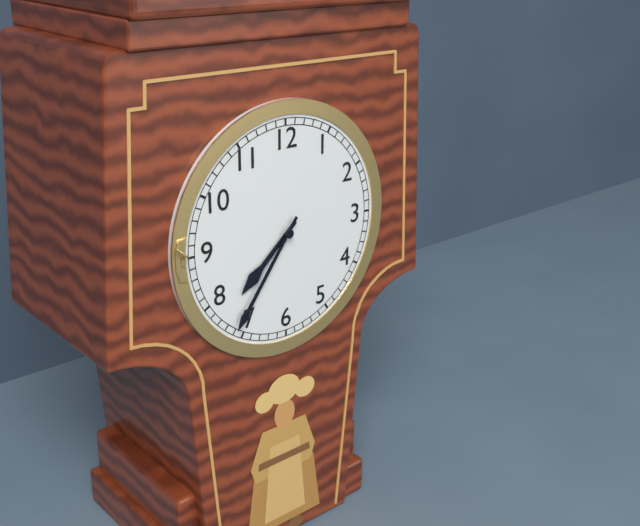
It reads 7:36
